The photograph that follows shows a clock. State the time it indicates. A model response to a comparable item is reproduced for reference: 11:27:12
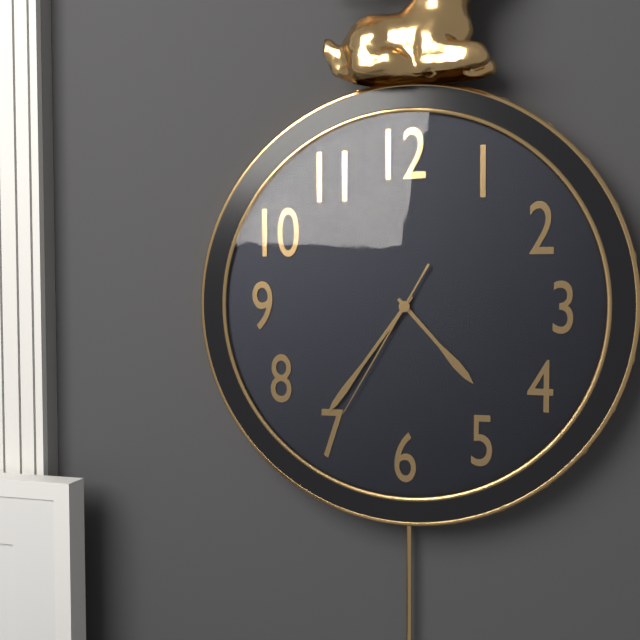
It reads 4:36:35
